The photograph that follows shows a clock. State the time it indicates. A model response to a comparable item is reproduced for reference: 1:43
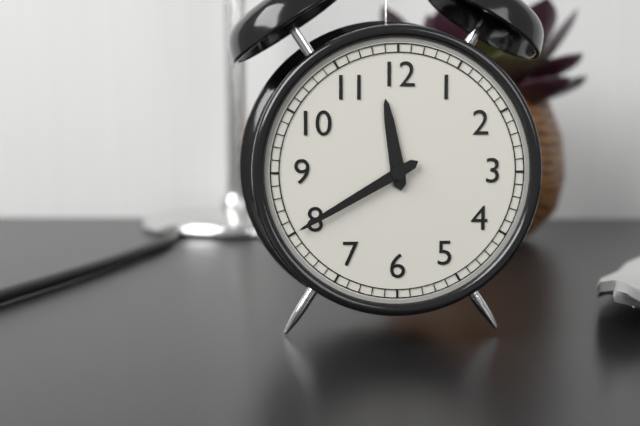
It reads 11:40
